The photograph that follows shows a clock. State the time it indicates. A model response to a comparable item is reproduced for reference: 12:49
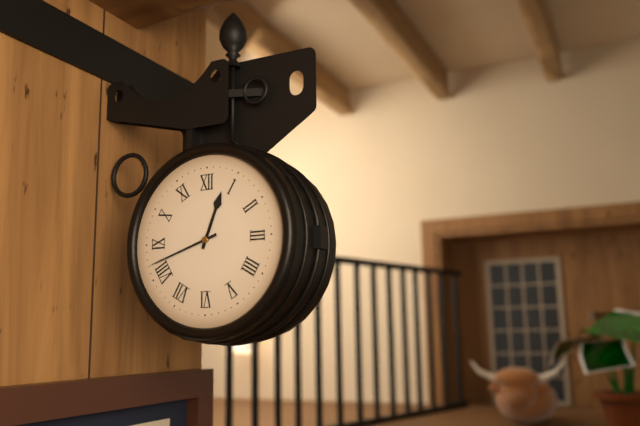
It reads 12:42
